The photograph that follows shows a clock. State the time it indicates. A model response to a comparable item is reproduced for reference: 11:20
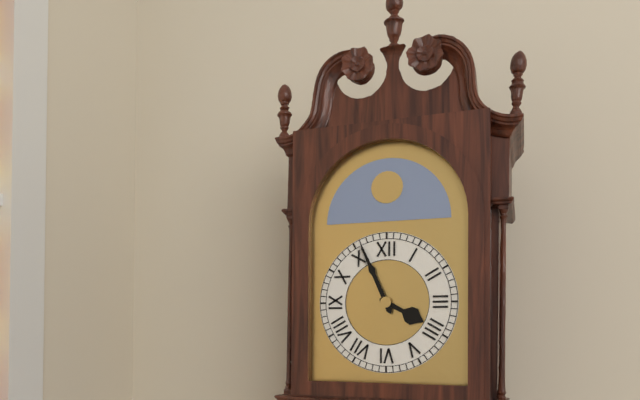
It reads 3:56
